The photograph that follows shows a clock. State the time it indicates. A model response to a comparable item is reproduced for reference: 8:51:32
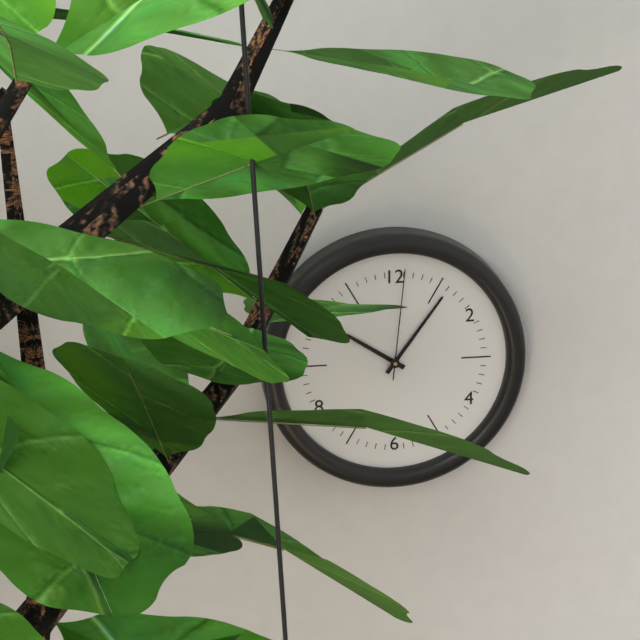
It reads 10:06:01
